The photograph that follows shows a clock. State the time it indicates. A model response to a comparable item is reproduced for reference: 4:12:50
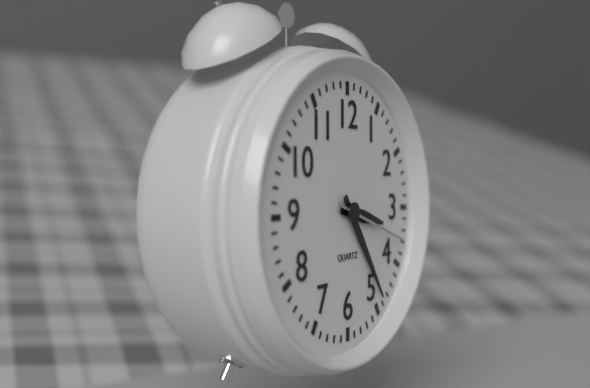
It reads 3:24:18
